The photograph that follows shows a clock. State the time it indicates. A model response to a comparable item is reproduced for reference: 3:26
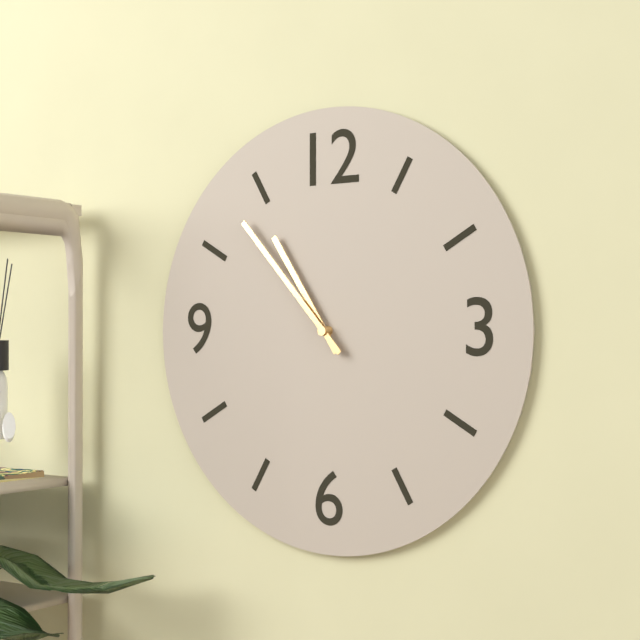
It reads 10:53
